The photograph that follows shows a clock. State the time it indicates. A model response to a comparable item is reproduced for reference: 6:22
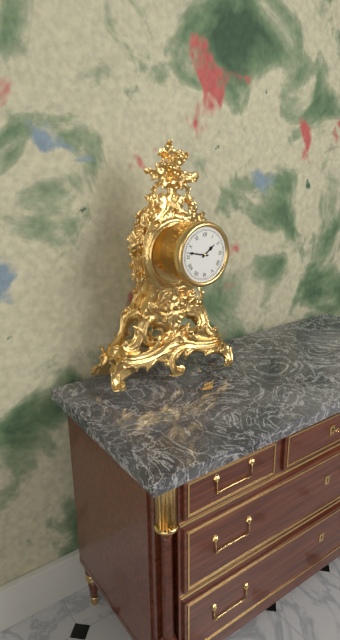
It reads 1:47
